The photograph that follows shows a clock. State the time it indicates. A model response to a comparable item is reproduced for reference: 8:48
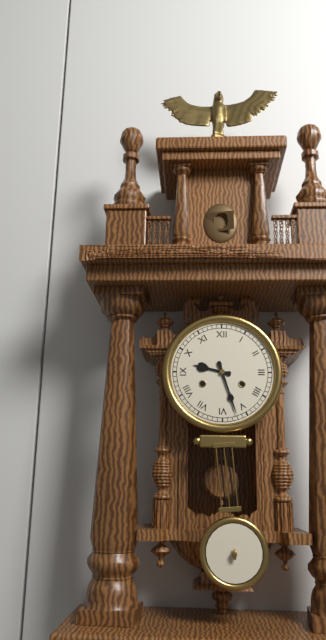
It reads 9:27
